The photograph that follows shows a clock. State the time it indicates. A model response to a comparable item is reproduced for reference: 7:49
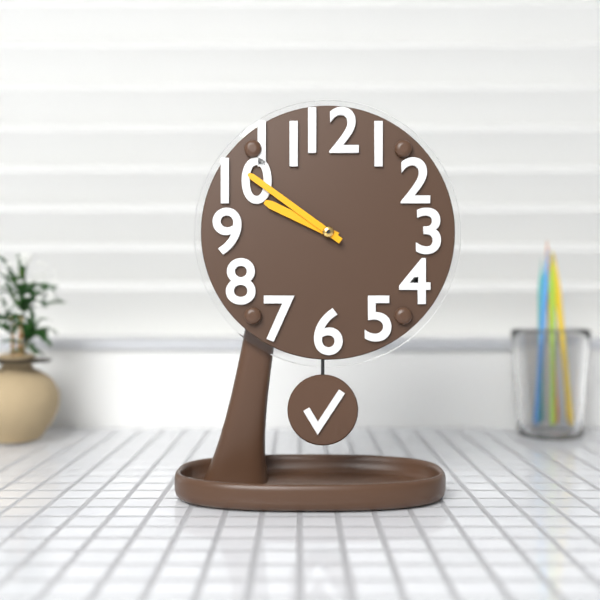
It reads 9:51
